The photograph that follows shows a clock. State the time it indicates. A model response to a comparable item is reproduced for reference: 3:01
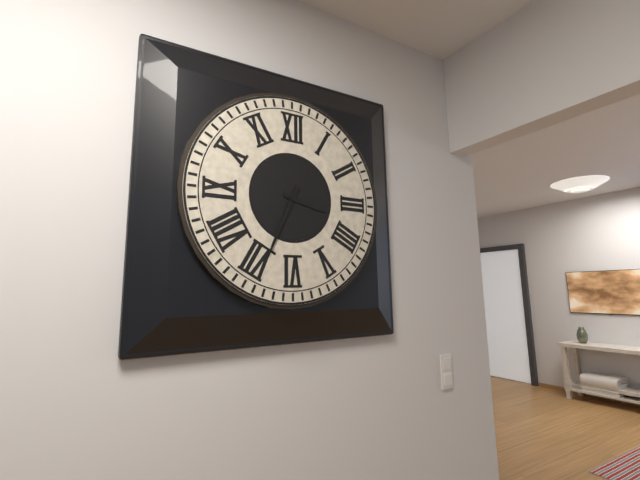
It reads 3:34
